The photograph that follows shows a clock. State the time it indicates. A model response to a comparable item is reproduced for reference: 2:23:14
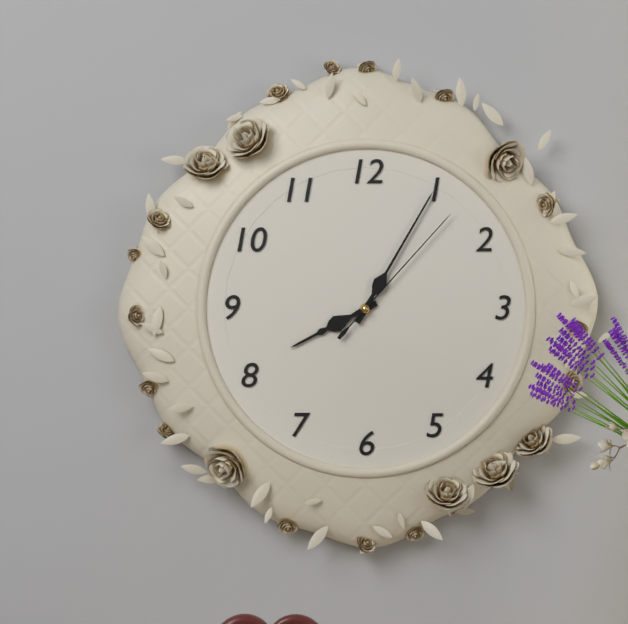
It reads 8:05:07
